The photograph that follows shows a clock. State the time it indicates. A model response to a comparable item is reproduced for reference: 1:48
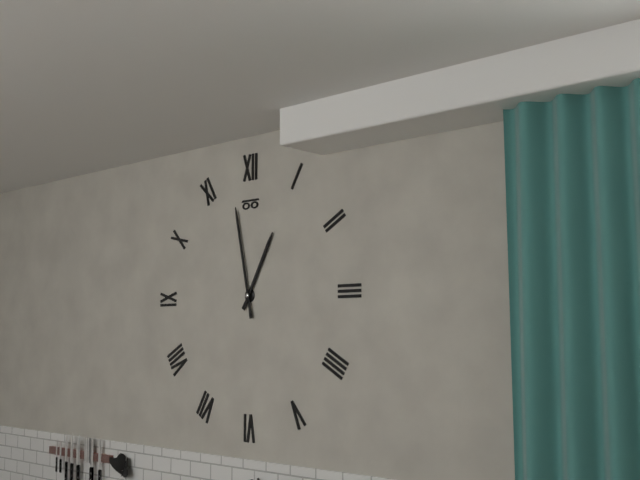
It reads 12:58
